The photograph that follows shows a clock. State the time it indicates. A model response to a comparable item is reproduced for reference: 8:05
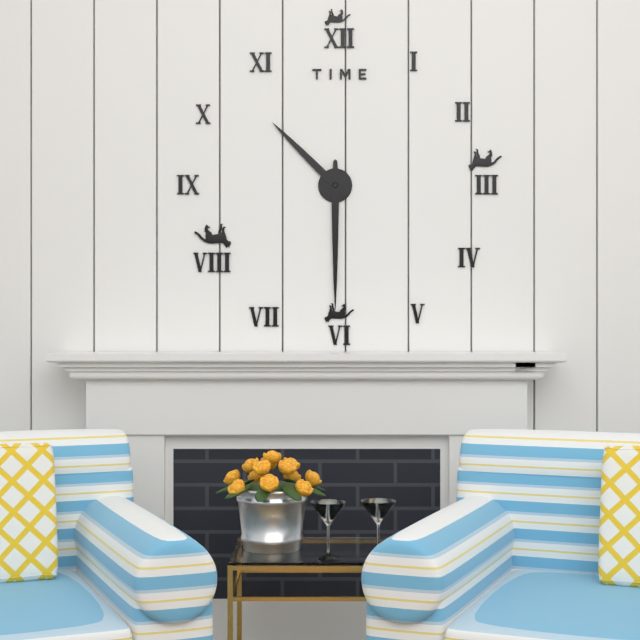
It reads 10:30
